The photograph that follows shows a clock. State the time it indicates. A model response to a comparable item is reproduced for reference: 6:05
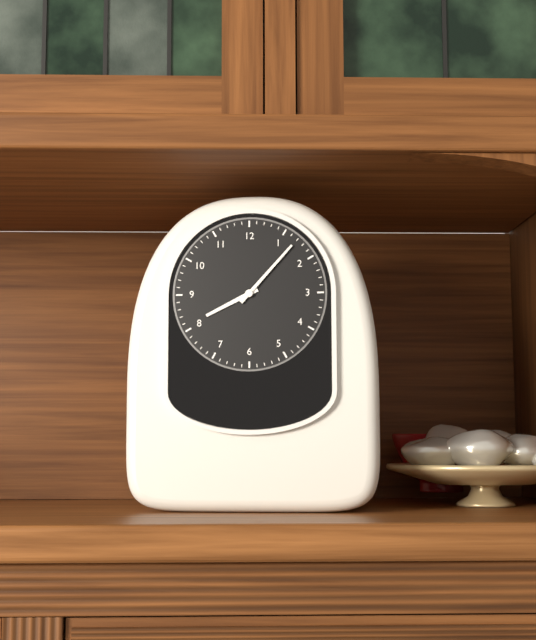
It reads 8:07
